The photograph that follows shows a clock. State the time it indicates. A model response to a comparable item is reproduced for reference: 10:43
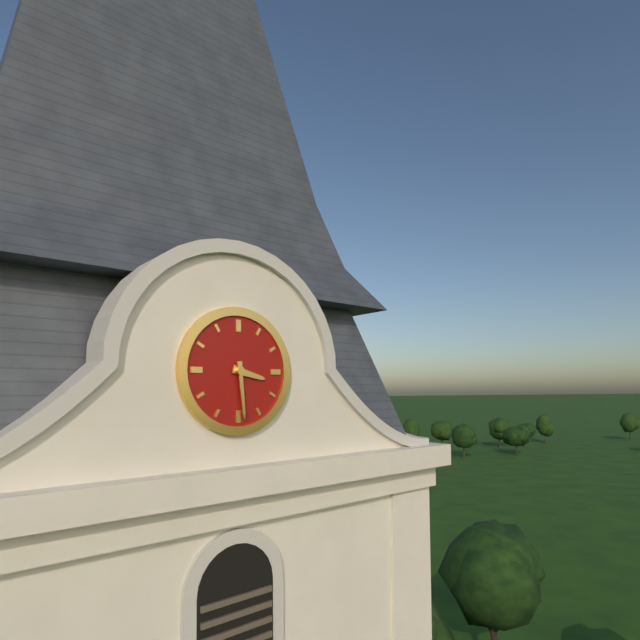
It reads 3:29
